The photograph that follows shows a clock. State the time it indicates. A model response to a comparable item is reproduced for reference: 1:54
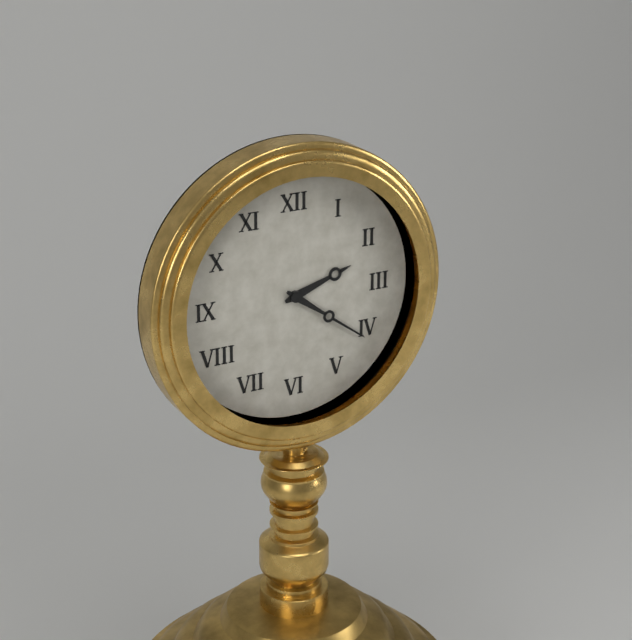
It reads 2:21
